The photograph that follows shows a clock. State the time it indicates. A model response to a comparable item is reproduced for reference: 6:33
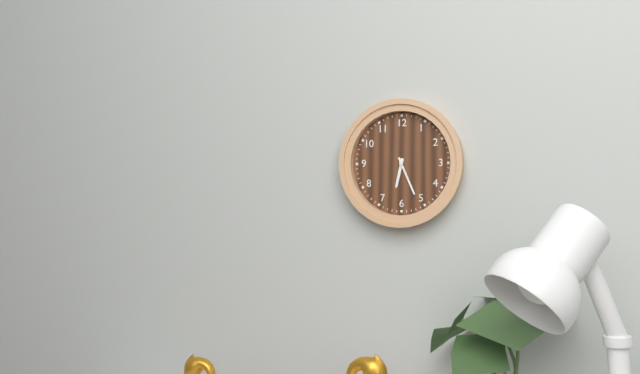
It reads 6:26
